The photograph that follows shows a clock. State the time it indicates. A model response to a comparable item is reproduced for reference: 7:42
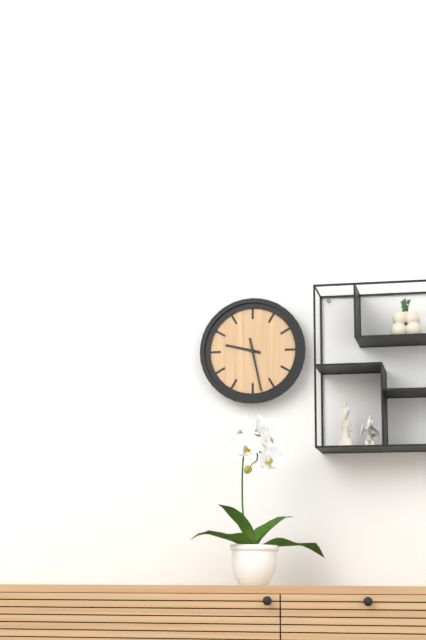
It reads 9:28
